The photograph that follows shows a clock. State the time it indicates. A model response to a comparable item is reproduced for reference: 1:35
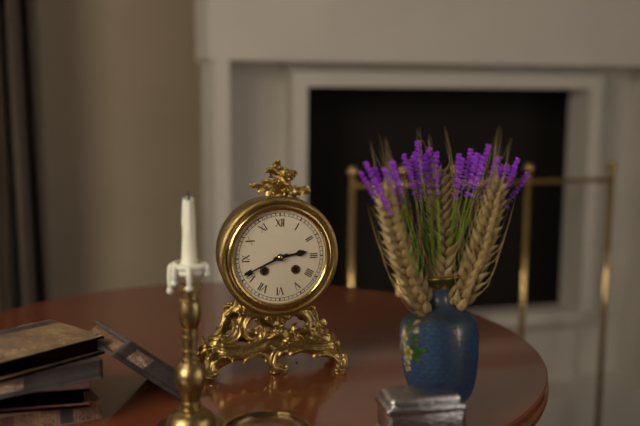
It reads 2:41
